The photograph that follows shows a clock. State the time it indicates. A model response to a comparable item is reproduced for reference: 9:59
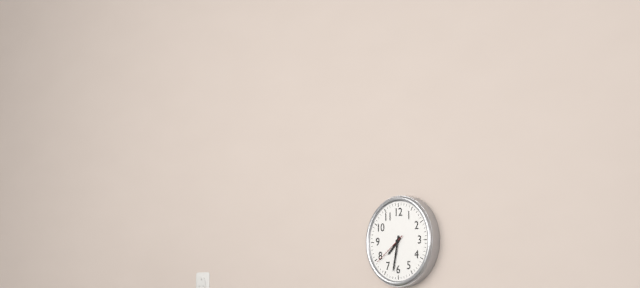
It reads 7:32
